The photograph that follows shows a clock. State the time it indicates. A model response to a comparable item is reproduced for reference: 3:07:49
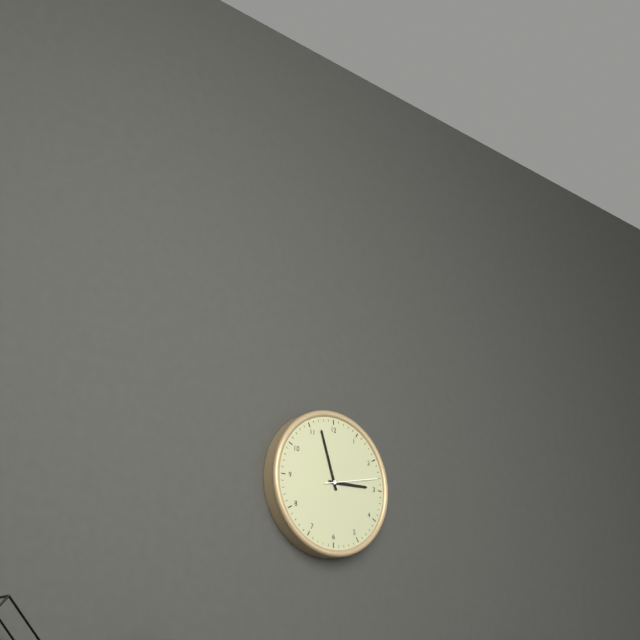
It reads 2:57:13
